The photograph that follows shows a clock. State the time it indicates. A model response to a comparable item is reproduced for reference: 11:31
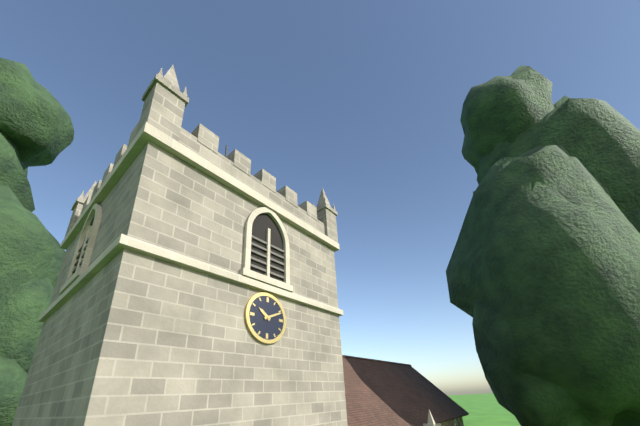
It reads 10:11
